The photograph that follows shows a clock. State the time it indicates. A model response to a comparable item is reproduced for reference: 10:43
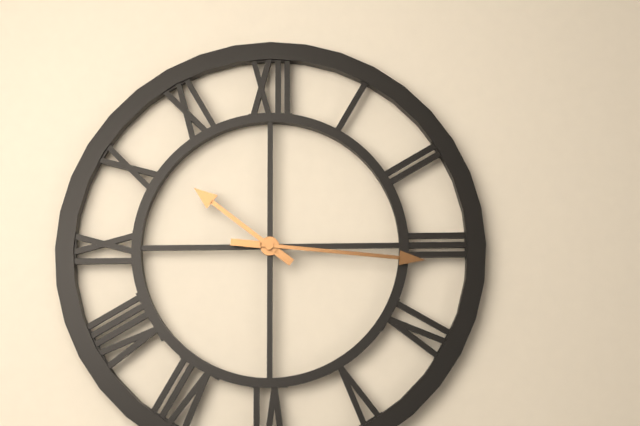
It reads 10:16
